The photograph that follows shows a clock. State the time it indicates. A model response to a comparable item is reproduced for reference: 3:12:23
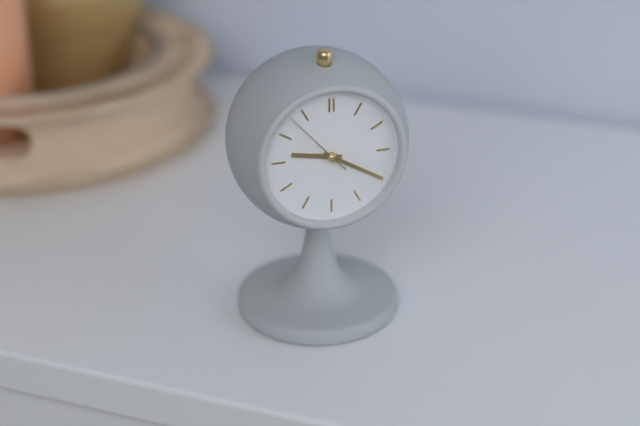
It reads 9:20:53
